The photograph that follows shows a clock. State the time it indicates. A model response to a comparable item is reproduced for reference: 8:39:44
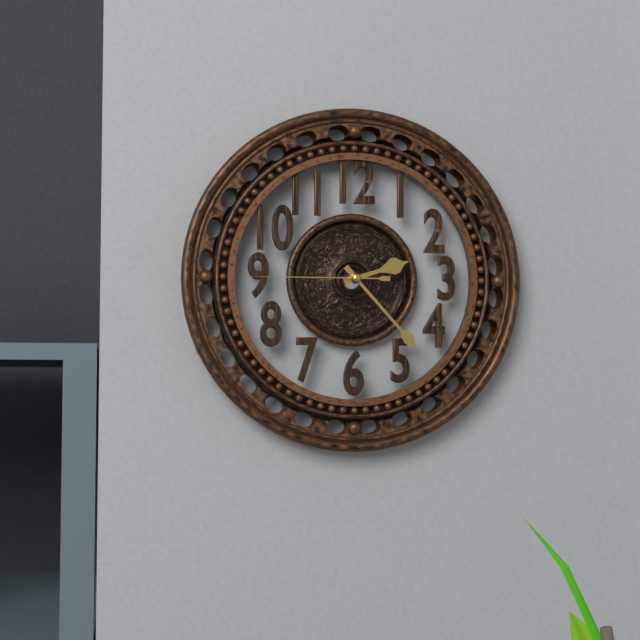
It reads 2:23:45
